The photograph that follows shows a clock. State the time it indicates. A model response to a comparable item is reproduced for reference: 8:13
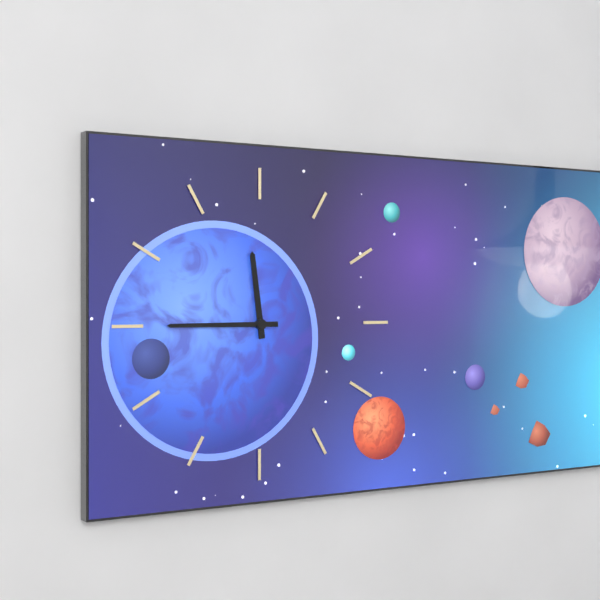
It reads 11:45
